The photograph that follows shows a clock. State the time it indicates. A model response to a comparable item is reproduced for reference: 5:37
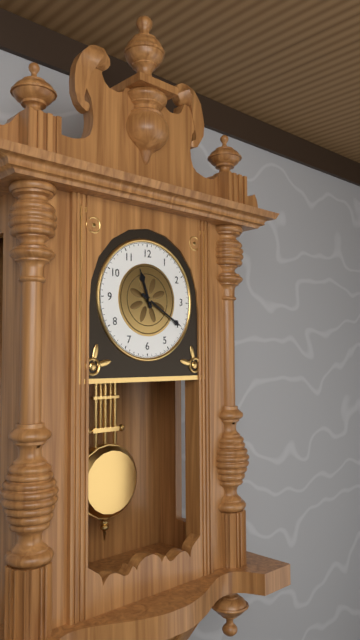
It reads 11:20
